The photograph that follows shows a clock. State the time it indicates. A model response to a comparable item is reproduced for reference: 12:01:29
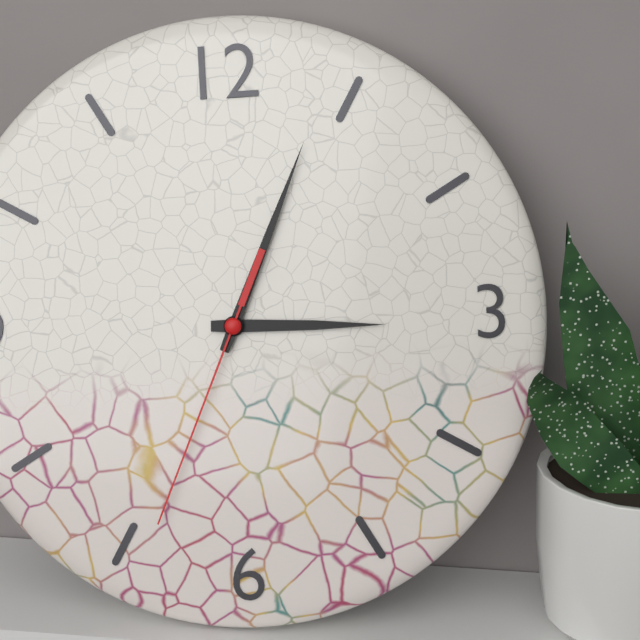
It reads 3:04:34
